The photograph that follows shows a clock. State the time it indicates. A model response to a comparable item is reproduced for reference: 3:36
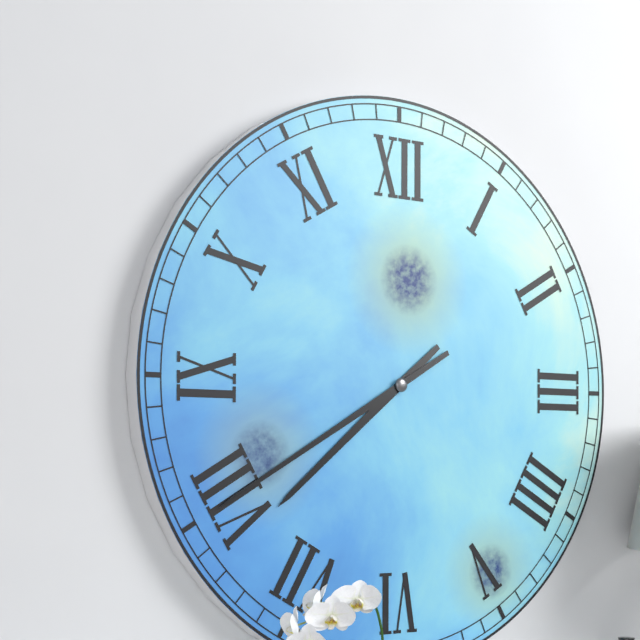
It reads 7:40
